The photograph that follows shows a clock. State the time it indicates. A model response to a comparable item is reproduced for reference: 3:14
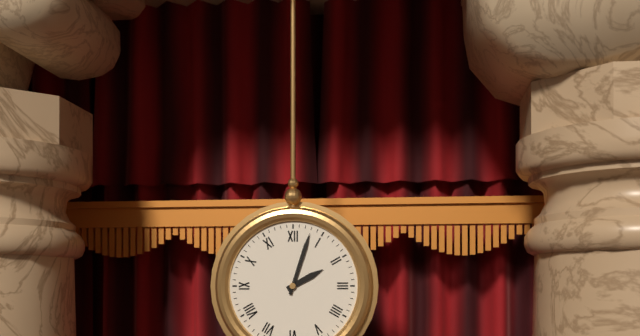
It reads 2:03
